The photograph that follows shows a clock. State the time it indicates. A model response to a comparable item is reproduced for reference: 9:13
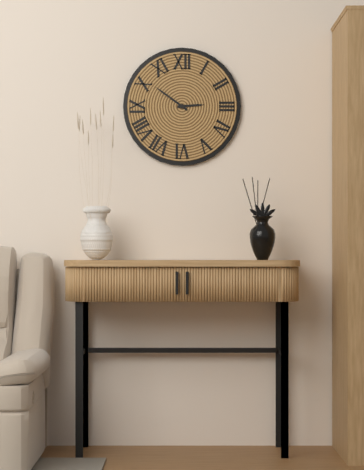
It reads 2:51
